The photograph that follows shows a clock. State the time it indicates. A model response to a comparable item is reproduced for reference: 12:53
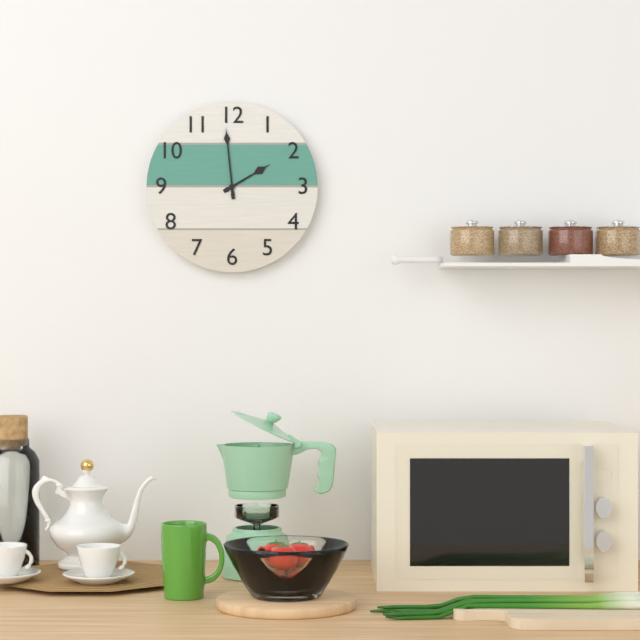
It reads 1:59
